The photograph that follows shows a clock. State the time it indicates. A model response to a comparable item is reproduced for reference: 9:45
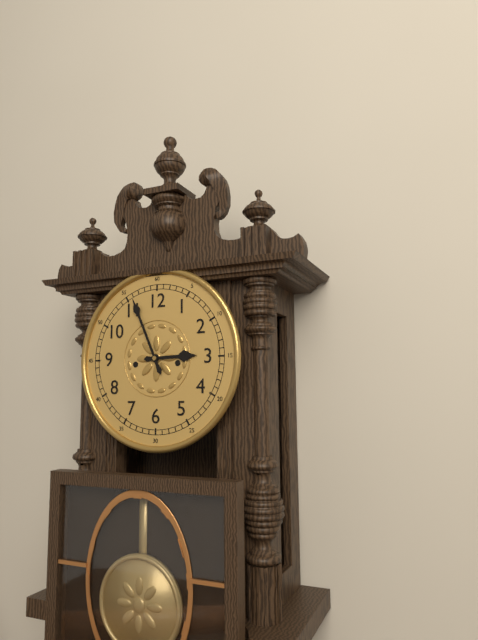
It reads 2:56
